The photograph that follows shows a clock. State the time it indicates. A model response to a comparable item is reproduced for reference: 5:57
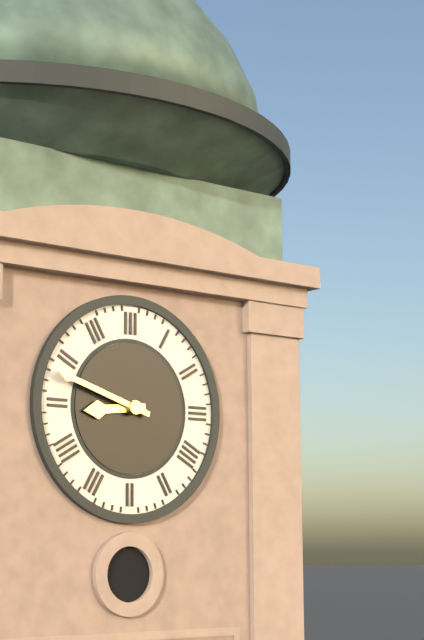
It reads 8:48
